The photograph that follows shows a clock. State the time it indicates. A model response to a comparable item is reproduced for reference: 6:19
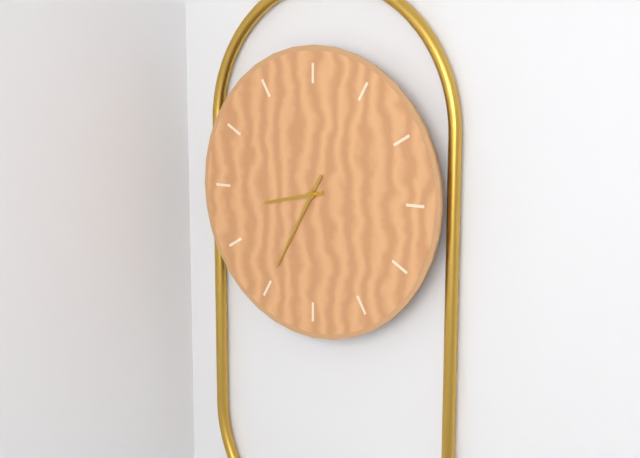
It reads 8:35
